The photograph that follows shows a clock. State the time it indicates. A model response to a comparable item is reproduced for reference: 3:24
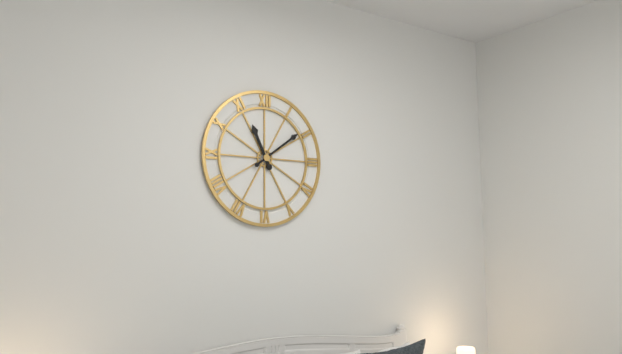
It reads 11:09
